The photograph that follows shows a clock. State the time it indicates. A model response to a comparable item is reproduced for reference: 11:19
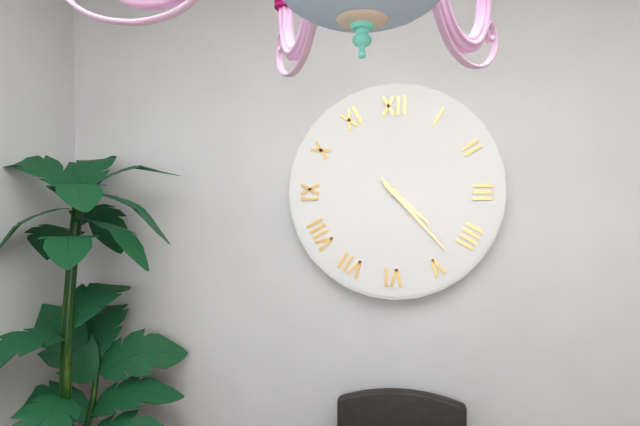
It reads 4:23
